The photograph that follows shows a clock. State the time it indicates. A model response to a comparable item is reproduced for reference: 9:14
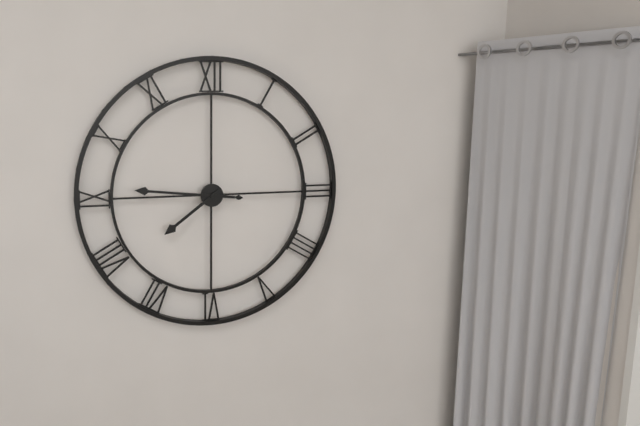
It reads 7:46
